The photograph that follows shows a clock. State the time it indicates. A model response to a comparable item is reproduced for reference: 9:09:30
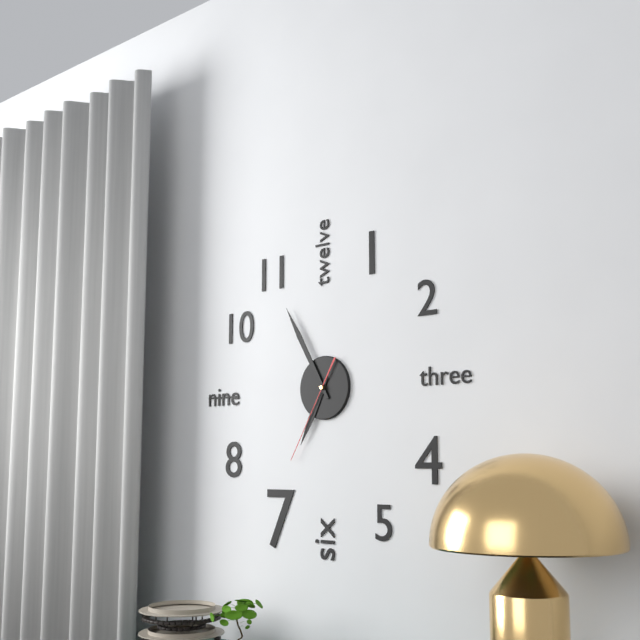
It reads 6:55:35
